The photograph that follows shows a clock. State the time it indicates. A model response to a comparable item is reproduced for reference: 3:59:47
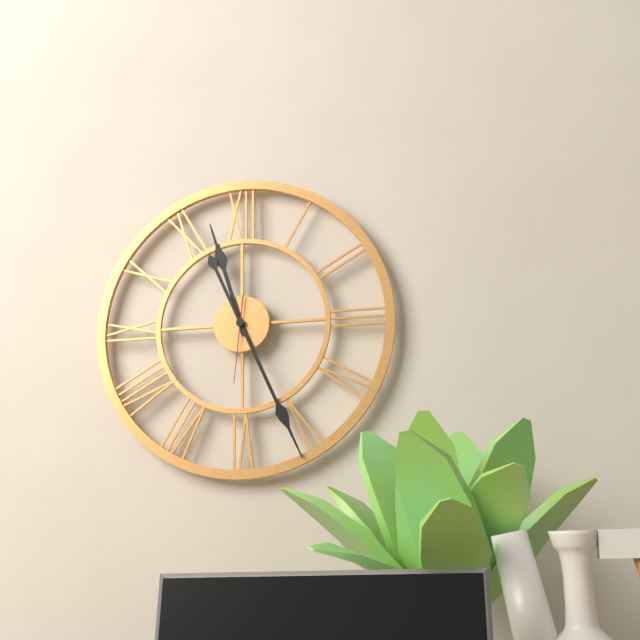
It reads 11:26:31
